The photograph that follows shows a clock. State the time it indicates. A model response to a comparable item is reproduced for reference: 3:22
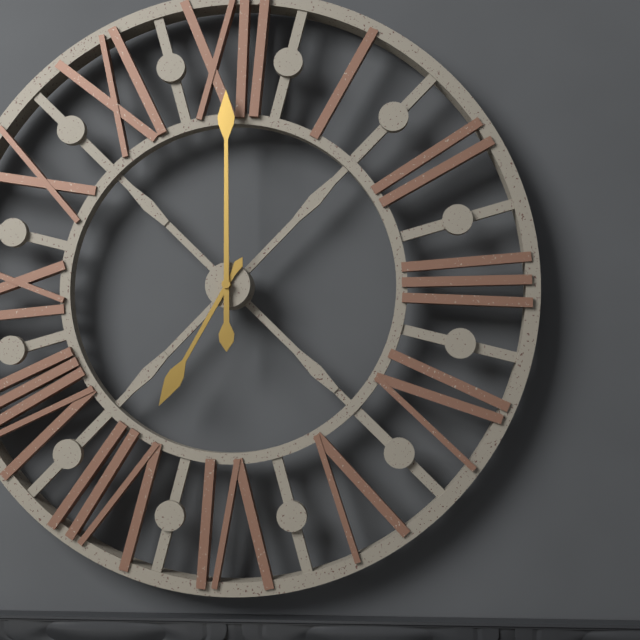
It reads 7:00
